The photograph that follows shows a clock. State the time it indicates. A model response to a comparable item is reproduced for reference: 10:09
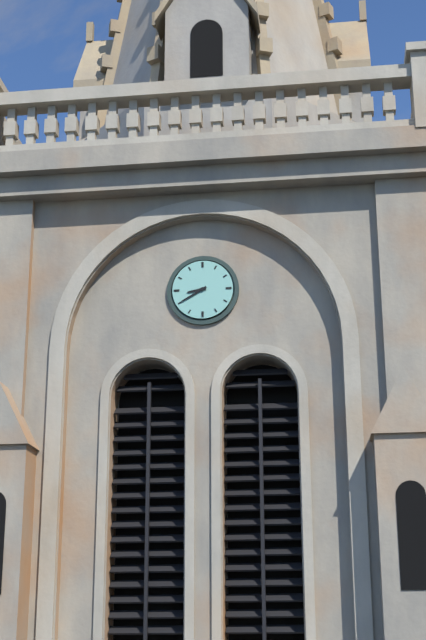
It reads 8:40
